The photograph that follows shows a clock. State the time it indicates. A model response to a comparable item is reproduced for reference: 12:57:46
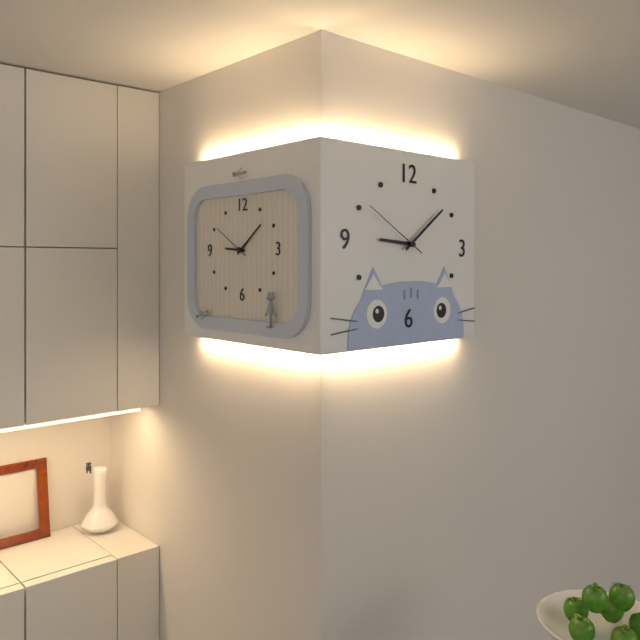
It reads 9:09:50
